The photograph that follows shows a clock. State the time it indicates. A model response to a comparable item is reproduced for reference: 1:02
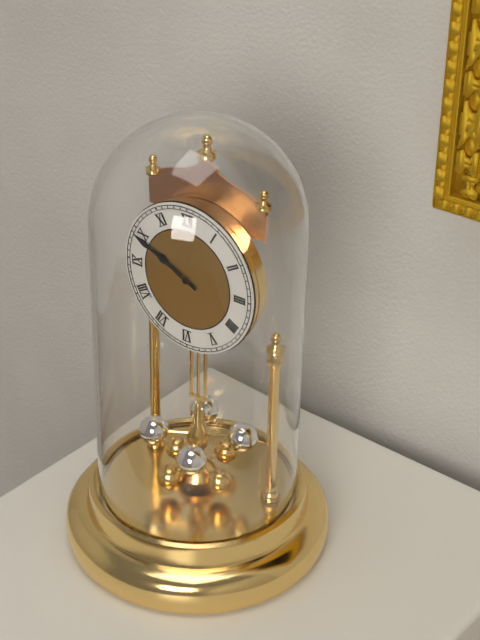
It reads 9:49
